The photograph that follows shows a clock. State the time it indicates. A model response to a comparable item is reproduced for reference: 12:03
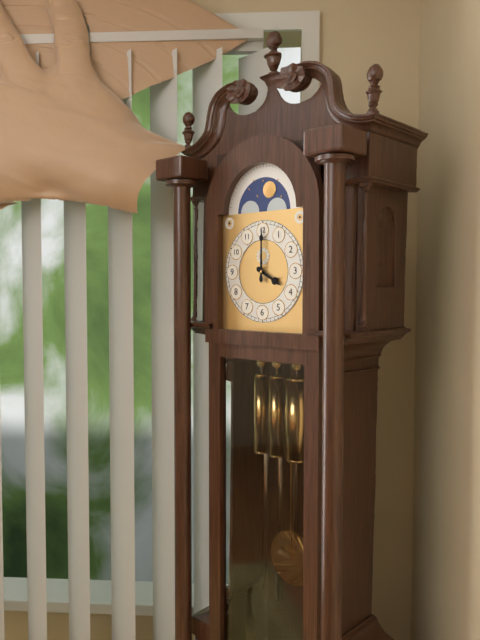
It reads 4:00
